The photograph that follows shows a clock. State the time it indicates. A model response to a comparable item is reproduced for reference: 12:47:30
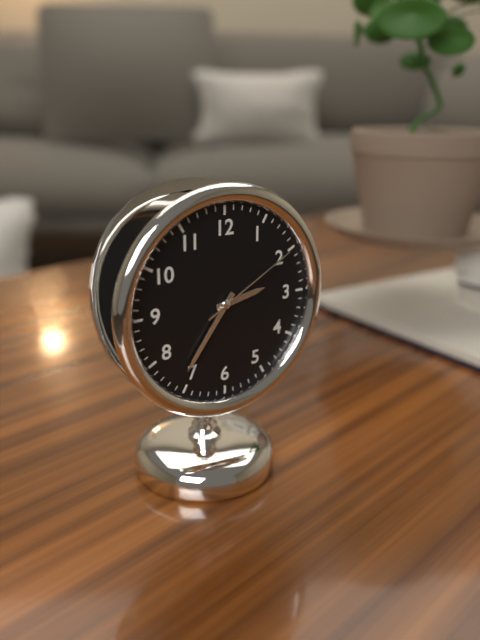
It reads 2:36:10
